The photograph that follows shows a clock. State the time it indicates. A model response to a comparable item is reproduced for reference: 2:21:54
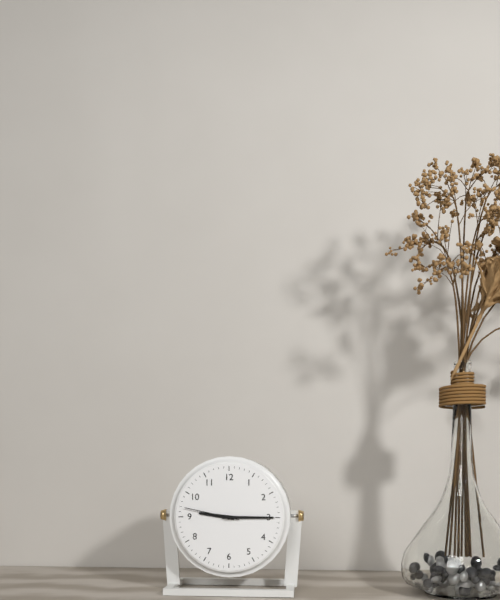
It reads 9:15:47
